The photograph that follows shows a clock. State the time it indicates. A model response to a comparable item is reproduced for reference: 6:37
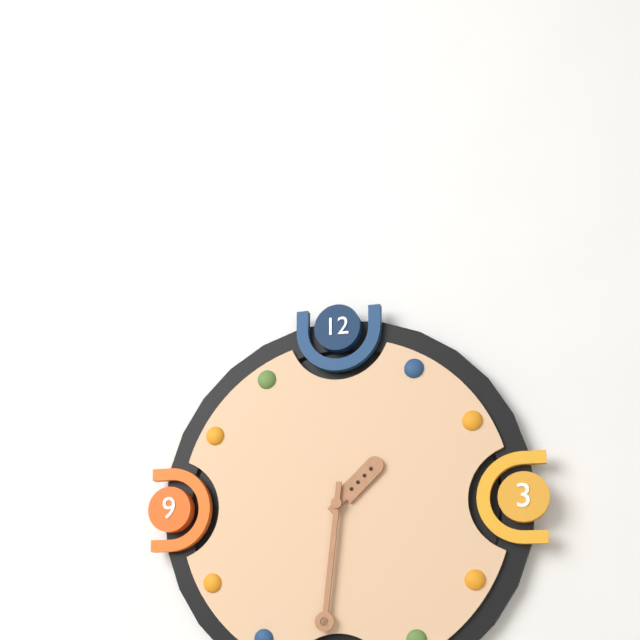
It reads 1:31
